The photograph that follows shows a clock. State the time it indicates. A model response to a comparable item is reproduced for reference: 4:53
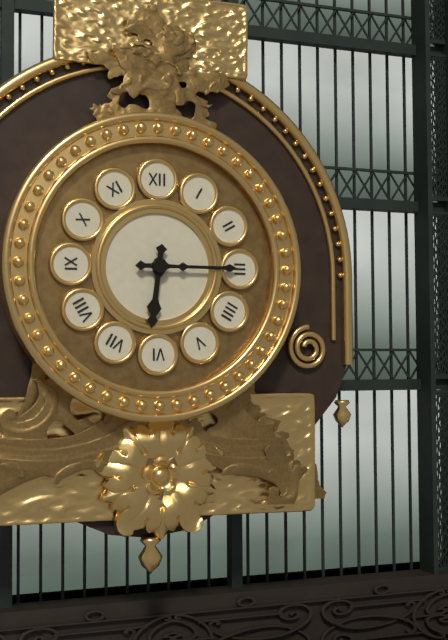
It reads 6:15
